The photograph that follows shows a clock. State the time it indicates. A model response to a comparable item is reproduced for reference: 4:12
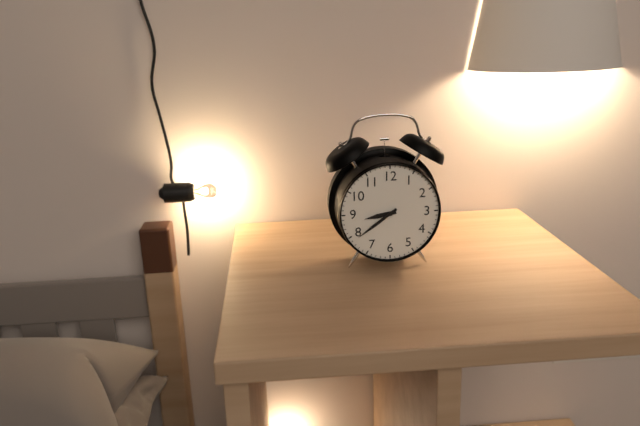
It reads 8:39
